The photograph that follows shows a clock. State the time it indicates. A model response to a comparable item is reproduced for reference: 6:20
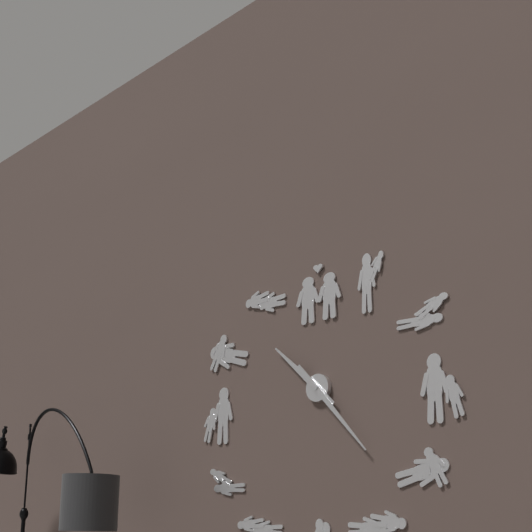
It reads 10:23
